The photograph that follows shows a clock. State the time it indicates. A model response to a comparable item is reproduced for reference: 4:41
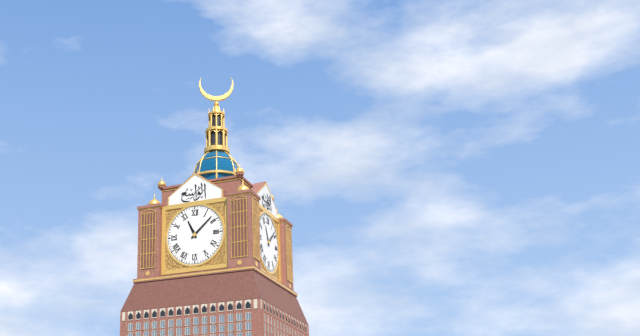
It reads 11:08
